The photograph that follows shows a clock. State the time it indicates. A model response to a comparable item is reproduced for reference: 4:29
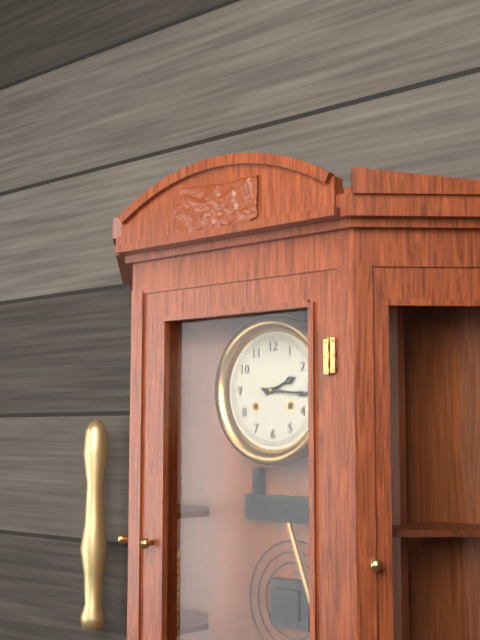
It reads 2:16
